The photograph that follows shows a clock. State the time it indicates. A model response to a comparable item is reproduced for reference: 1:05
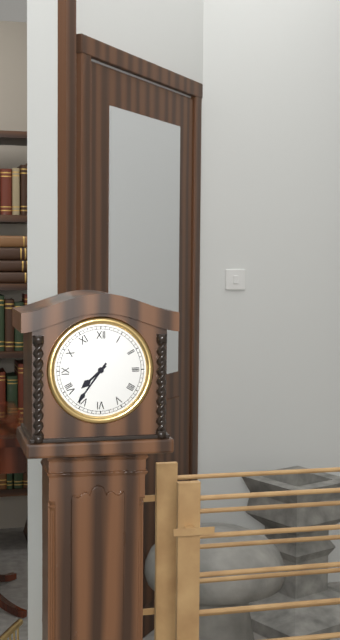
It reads 7:36
